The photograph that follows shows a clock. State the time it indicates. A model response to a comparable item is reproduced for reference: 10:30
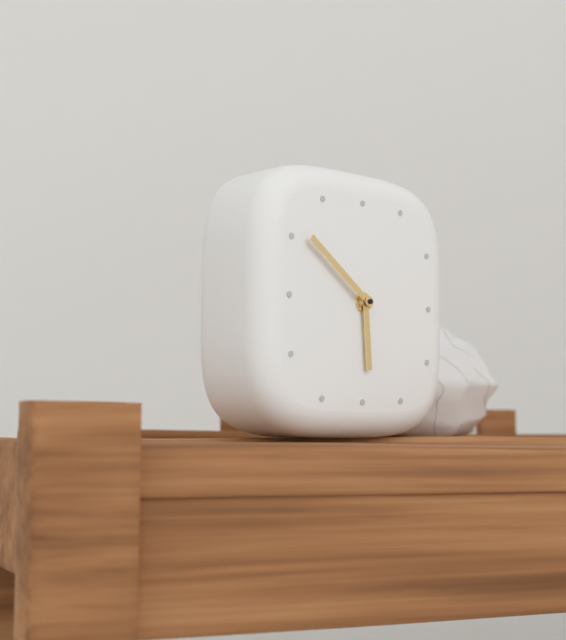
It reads 5:51
